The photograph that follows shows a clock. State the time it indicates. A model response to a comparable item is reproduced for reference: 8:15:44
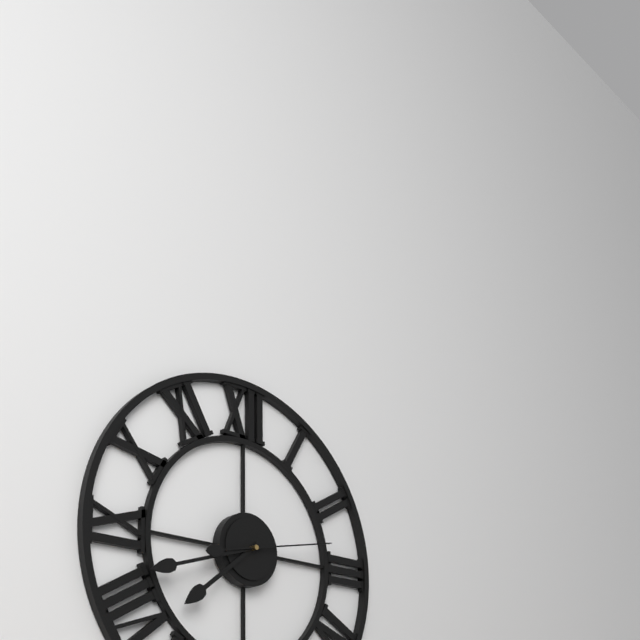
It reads 7:42:13
